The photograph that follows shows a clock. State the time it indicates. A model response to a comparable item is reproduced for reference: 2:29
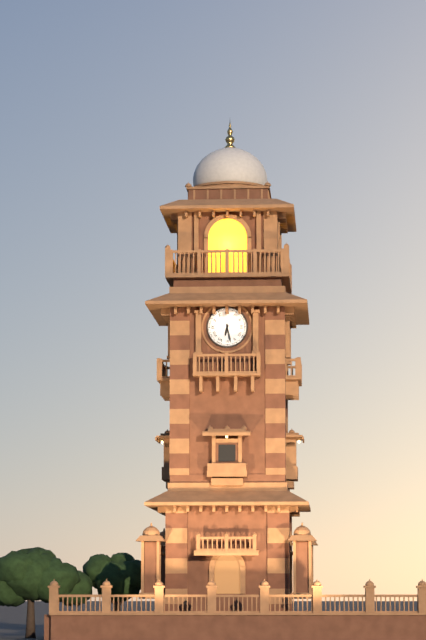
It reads 6:28
